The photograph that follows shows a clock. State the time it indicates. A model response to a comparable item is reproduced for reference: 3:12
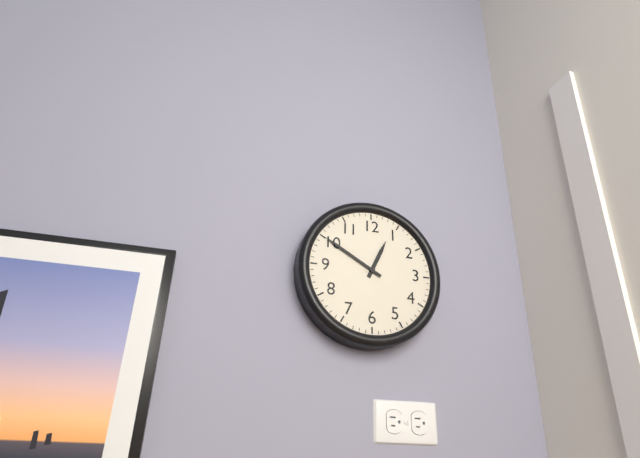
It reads 12:50
